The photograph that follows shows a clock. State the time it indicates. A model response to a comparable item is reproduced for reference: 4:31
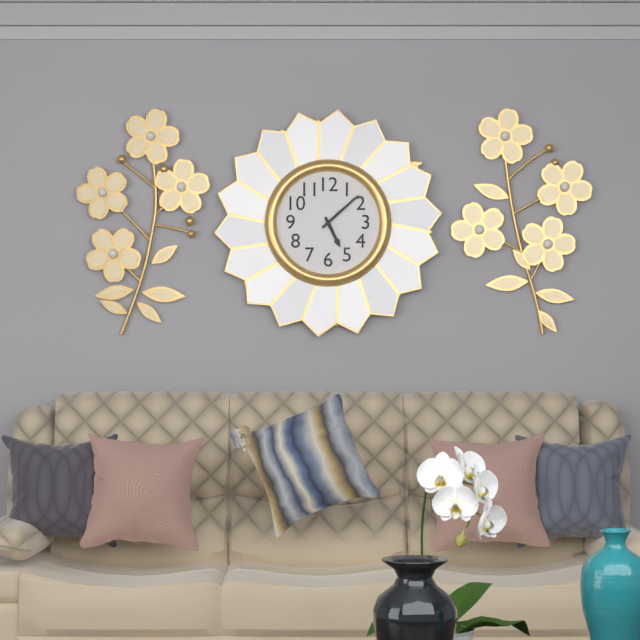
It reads 5:08
